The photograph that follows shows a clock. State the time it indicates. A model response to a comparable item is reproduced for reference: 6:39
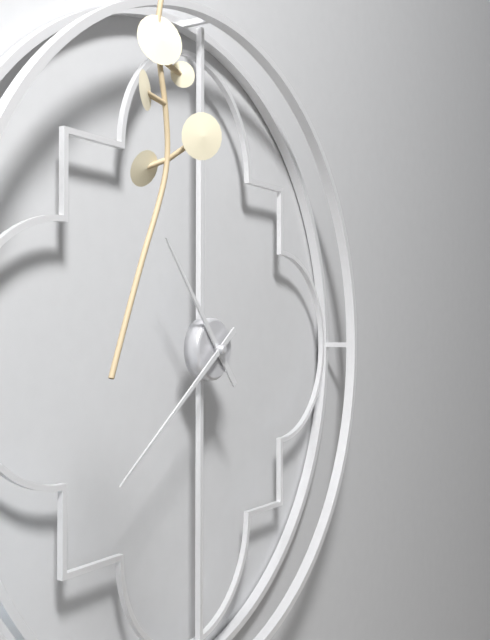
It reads 10:39
